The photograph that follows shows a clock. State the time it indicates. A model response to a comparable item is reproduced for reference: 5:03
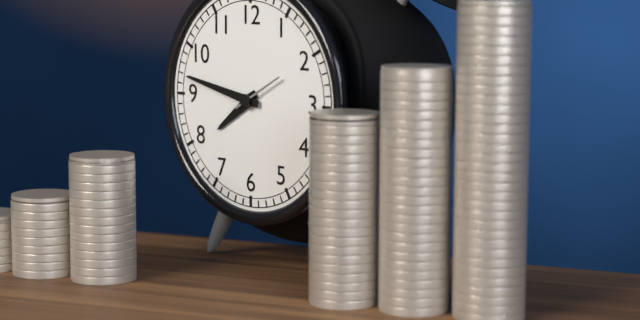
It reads 7:47
